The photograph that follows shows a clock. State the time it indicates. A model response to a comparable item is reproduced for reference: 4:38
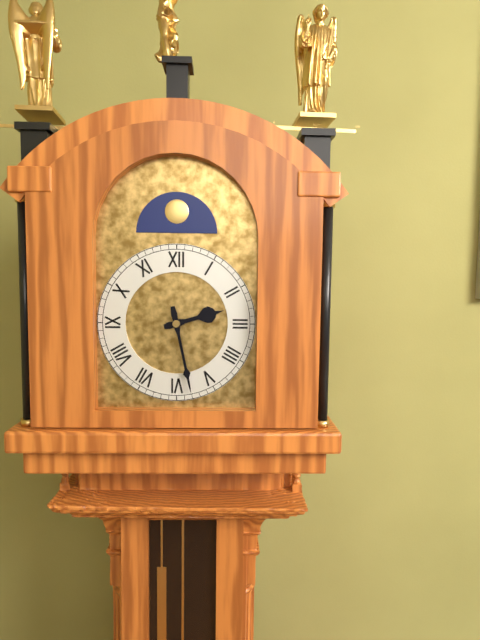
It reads 2:28
